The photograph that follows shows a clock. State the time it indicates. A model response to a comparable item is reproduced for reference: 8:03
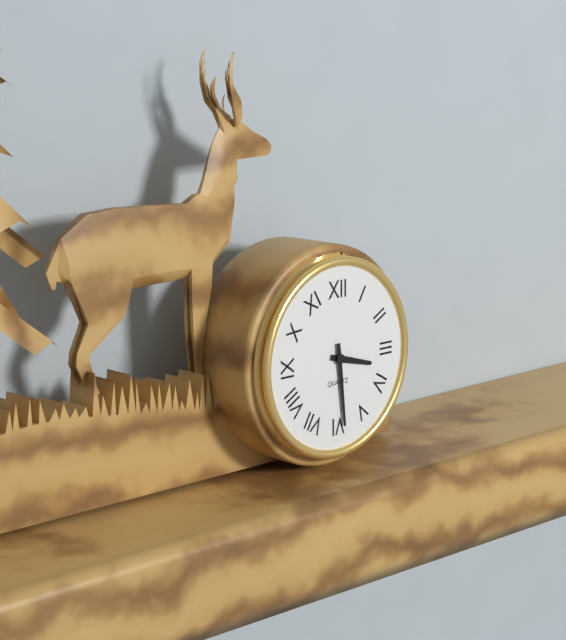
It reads 3:29
